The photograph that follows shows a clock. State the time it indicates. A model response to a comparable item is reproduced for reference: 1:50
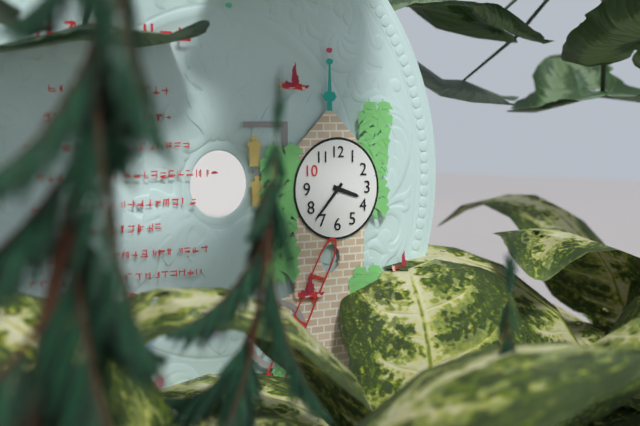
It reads 3:37
